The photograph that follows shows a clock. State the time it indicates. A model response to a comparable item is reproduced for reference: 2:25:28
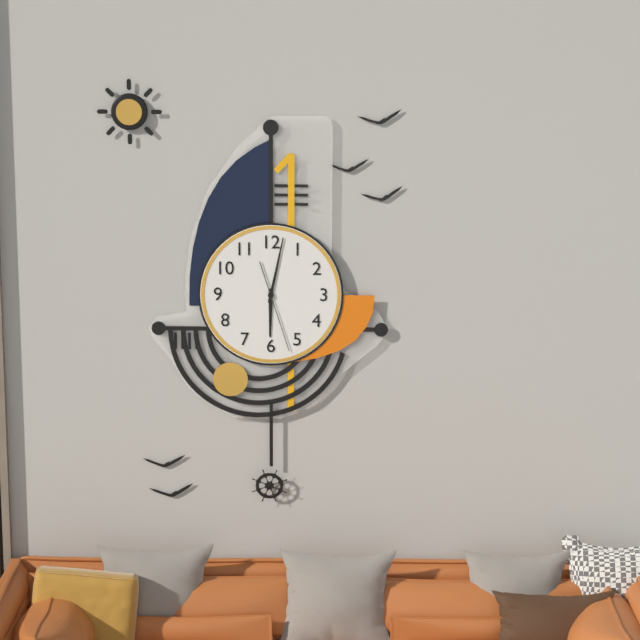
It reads 6:02:27
